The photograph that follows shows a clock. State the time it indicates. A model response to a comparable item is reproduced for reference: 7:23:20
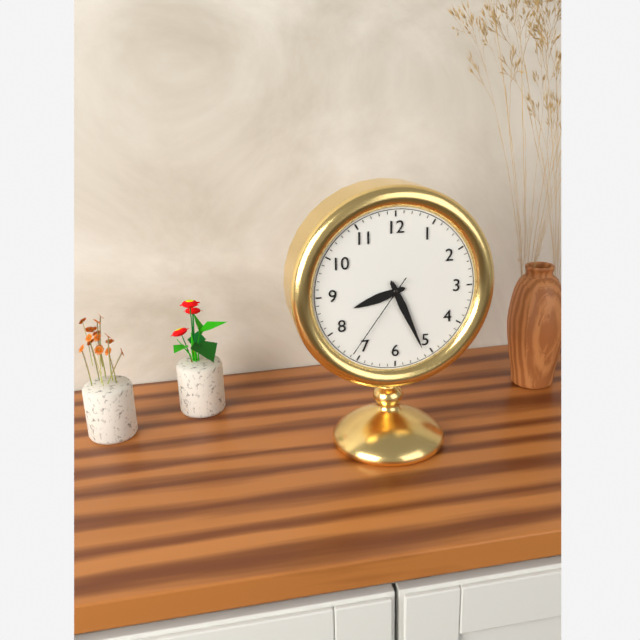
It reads 8:26:36
